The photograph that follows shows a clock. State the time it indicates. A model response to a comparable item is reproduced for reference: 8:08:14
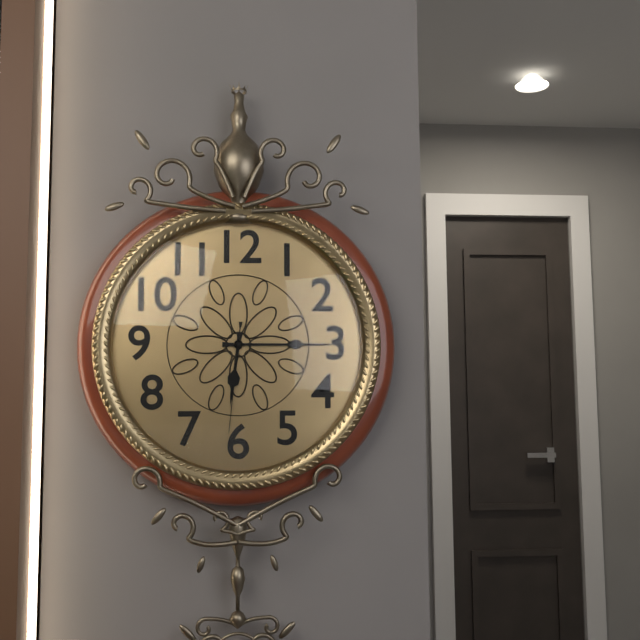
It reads 6:15:31
